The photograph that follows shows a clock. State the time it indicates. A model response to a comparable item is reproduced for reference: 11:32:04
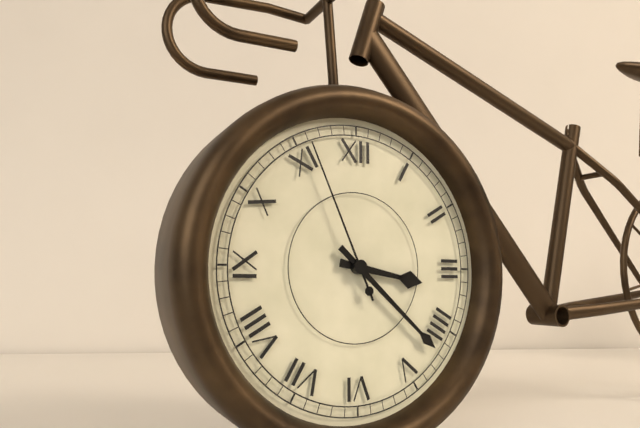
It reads 3:22:56
